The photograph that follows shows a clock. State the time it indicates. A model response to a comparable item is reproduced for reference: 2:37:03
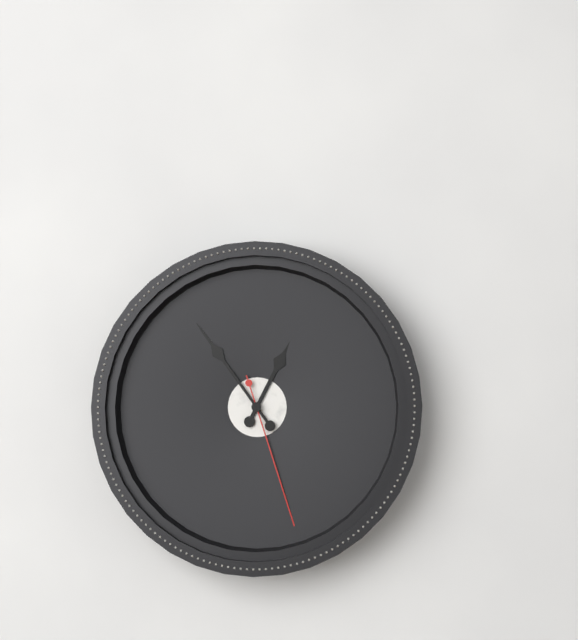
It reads 12:54:27
